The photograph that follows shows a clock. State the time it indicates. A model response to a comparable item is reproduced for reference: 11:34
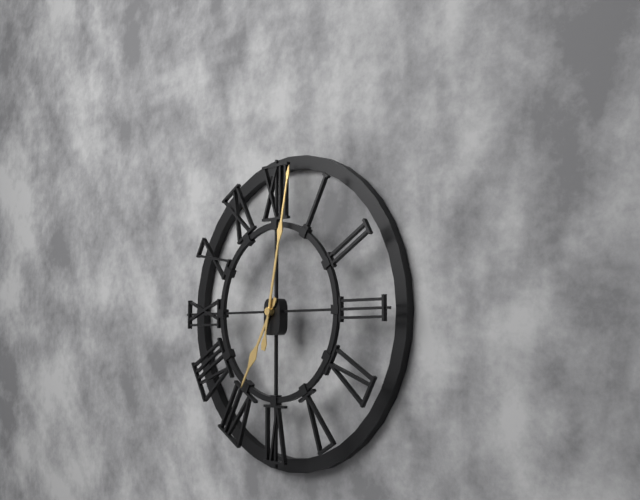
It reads 7:02
